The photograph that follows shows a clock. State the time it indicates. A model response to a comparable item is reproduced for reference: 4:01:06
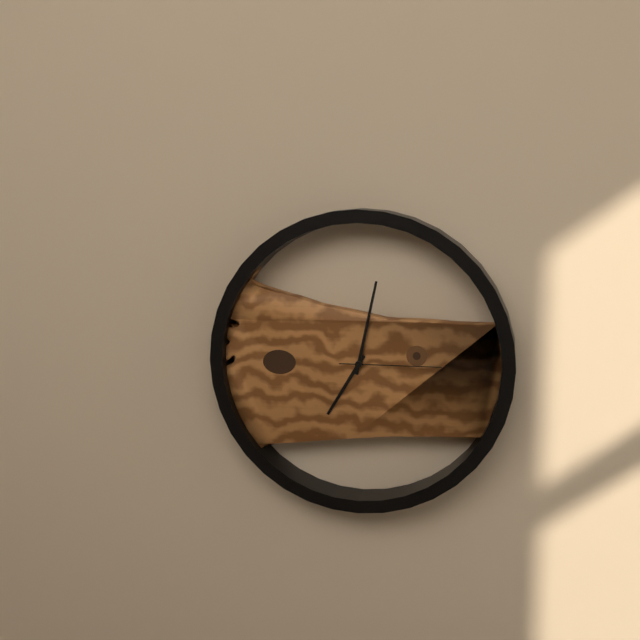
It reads 7:02:15
